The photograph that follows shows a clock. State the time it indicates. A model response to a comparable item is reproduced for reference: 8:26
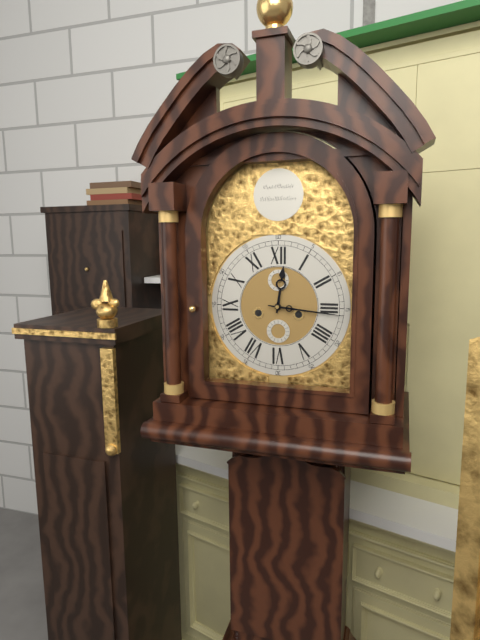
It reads 12:16
